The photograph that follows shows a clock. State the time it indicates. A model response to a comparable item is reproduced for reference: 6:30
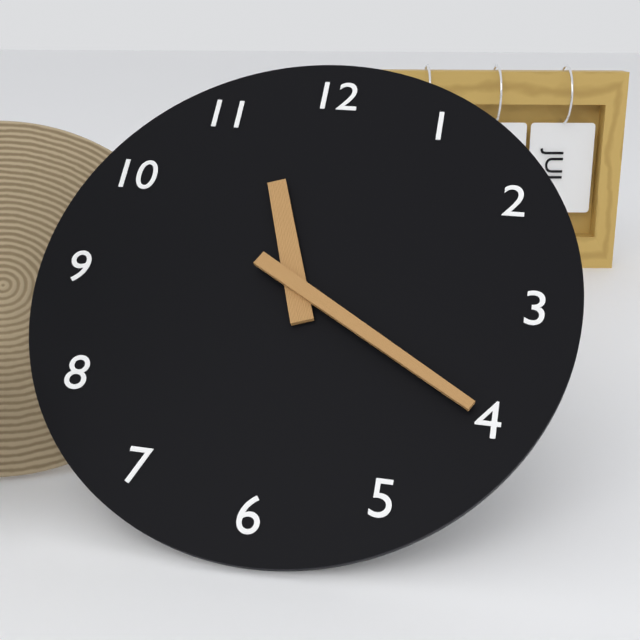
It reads 11:20
